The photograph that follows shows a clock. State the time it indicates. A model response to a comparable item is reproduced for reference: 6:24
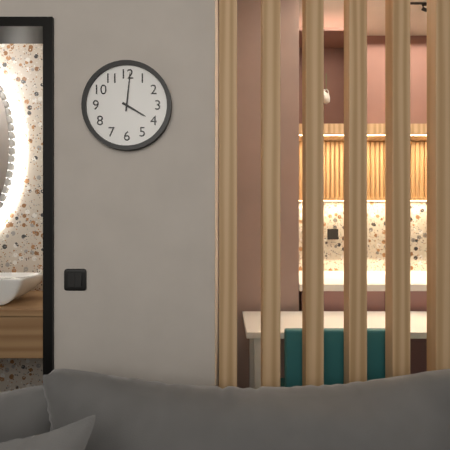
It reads 4:01
